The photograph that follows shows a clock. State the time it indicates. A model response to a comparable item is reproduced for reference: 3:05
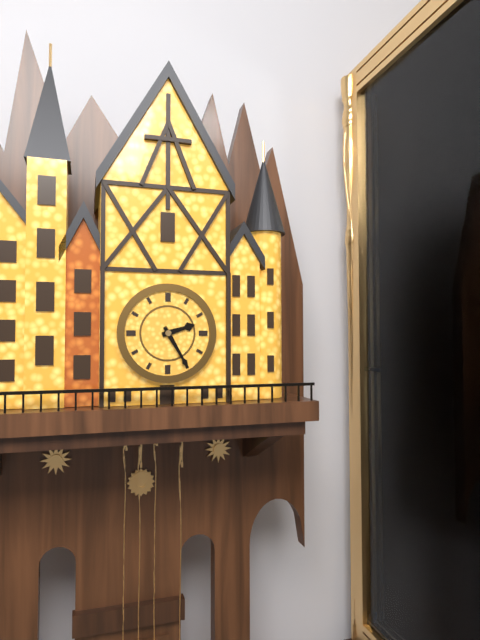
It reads 2:25
